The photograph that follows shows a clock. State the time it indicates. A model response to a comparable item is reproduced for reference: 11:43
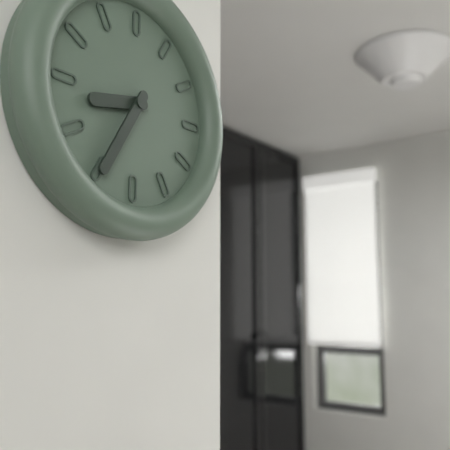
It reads 8:35
